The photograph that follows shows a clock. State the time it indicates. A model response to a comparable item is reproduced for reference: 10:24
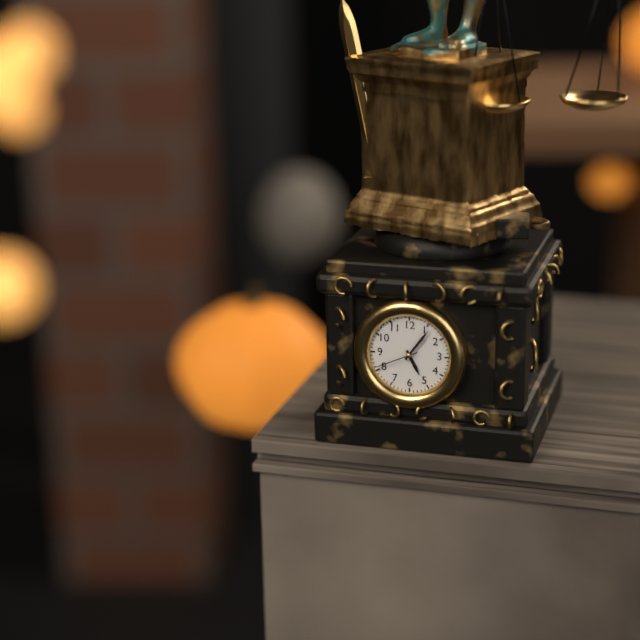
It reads 5:06
